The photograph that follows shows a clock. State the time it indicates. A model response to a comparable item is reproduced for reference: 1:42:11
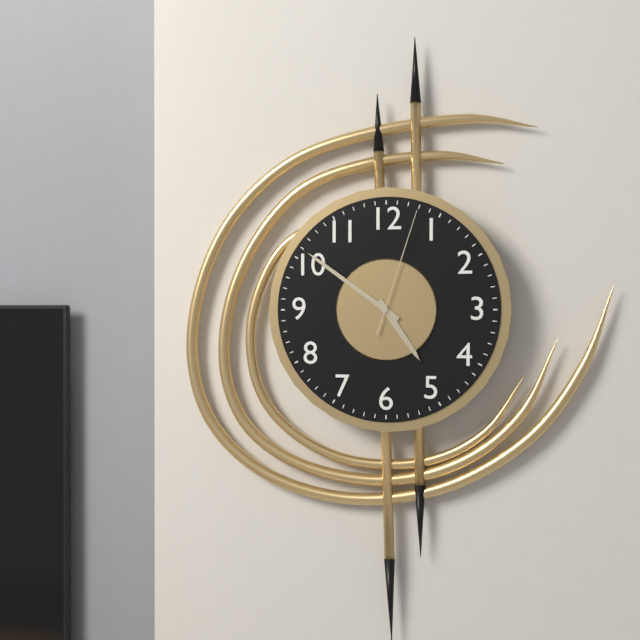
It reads 4:51:03
